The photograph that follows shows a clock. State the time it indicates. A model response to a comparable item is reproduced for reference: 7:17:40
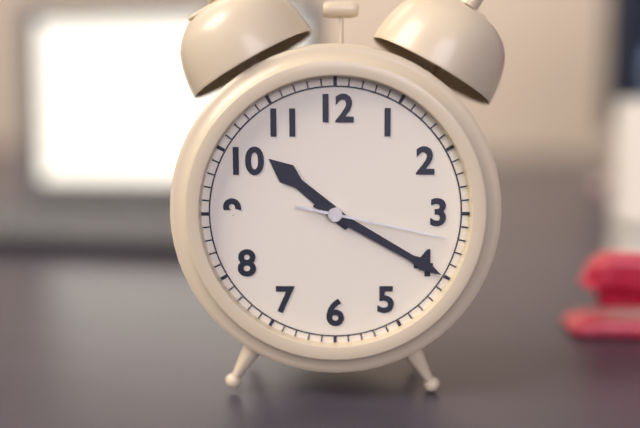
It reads 10:20:17
